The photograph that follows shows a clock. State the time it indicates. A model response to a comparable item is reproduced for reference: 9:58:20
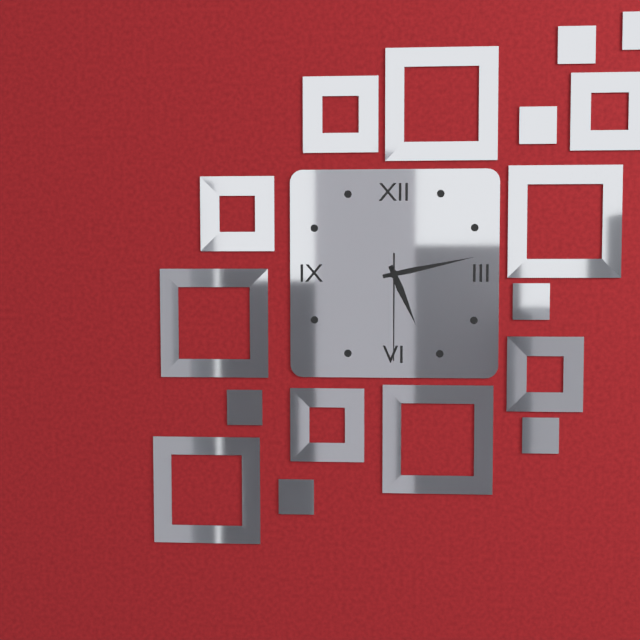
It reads 5:13:30
